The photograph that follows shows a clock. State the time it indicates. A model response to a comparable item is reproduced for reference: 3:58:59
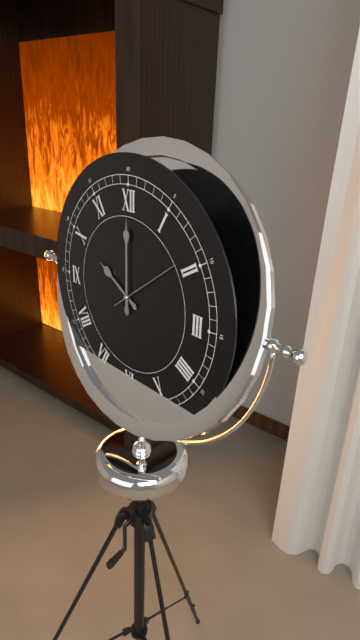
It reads 10:00:09
